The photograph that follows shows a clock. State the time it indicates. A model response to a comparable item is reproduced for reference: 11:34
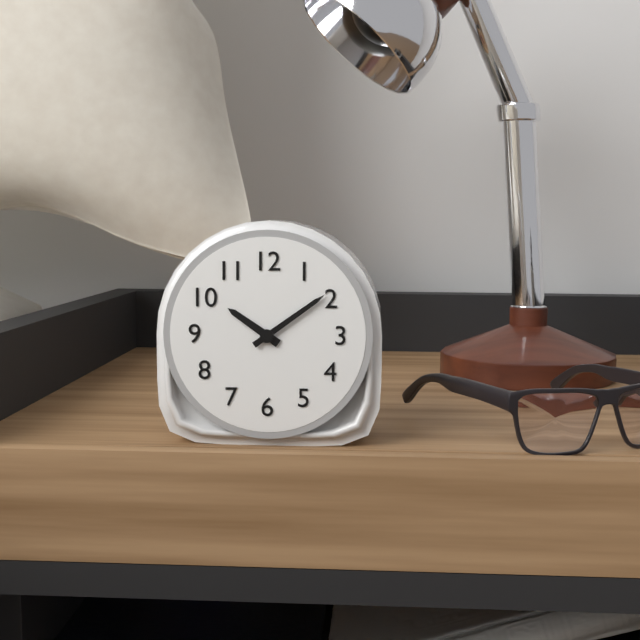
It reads 10:09
